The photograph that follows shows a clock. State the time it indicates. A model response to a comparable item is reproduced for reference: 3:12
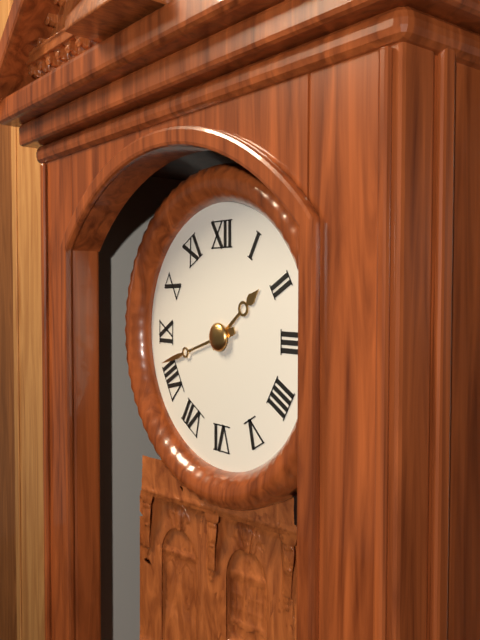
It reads 1:42
